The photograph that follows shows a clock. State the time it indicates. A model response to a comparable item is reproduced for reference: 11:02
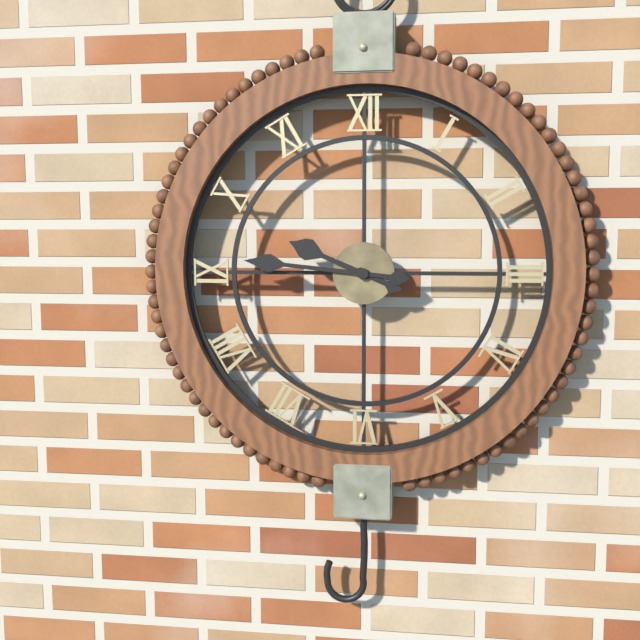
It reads 9:46
